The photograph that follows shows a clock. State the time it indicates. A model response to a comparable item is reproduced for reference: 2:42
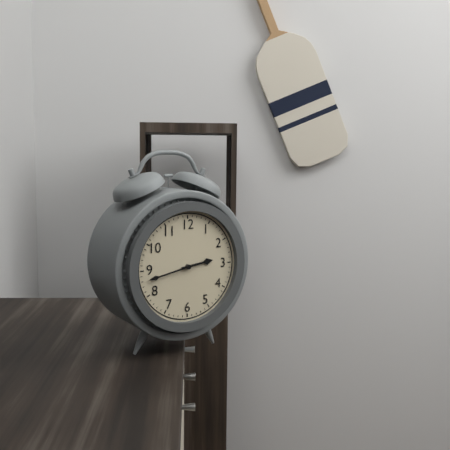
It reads 2:43
